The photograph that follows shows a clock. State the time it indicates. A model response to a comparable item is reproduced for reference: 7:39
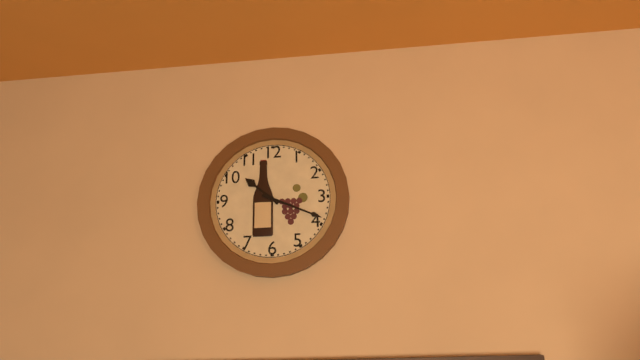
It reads 10:19
